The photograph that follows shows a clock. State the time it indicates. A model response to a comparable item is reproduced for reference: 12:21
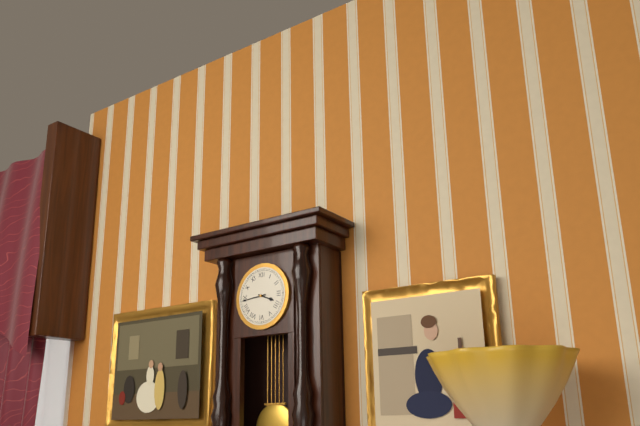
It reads 3:44
